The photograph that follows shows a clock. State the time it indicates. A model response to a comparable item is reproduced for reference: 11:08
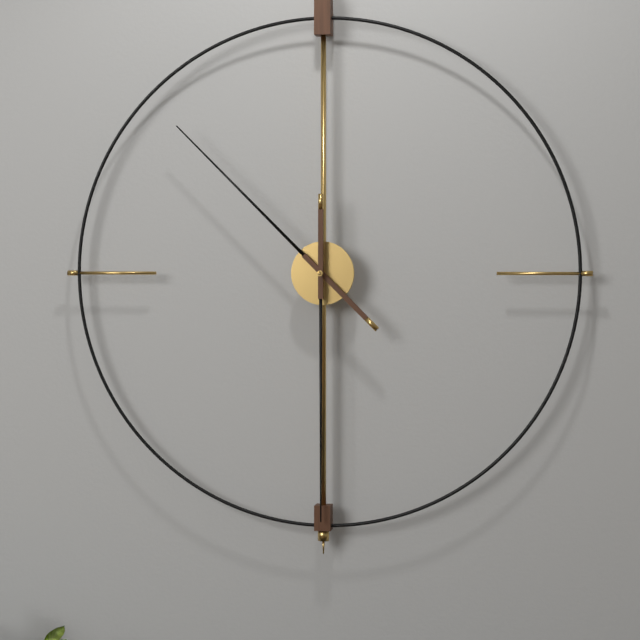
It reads 10:30
